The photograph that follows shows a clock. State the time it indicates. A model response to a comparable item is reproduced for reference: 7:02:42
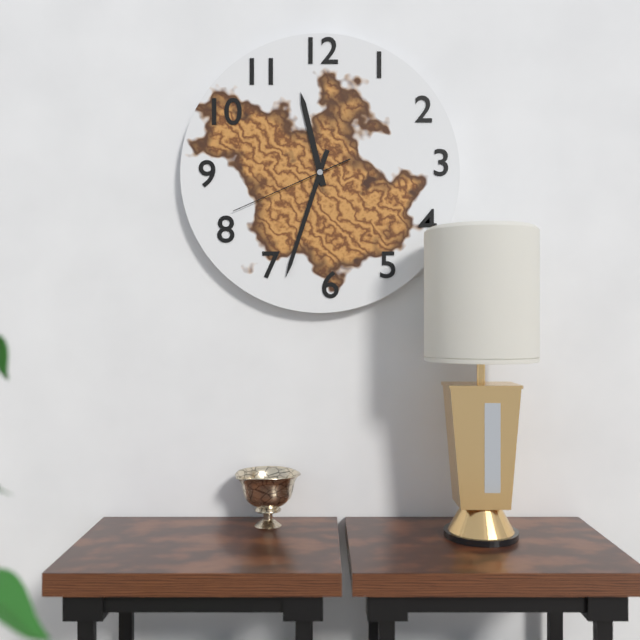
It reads 11:33:41
